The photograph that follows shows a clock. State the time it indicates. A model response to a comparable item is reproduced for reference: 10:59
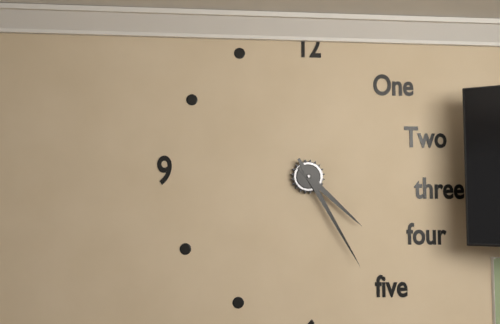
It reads 4:25
